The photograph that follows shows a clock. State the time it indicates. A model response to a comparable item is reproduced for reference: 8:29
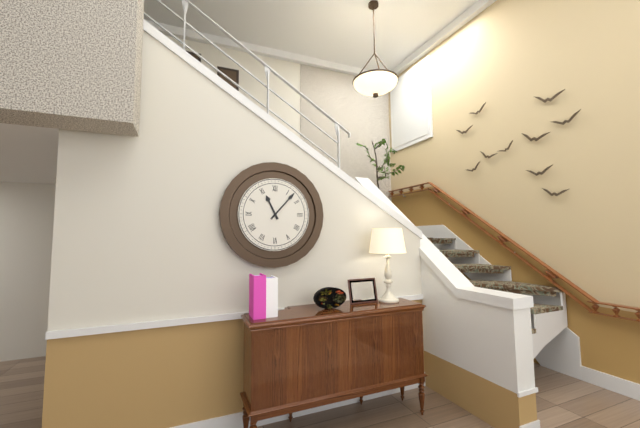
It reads 11:07
